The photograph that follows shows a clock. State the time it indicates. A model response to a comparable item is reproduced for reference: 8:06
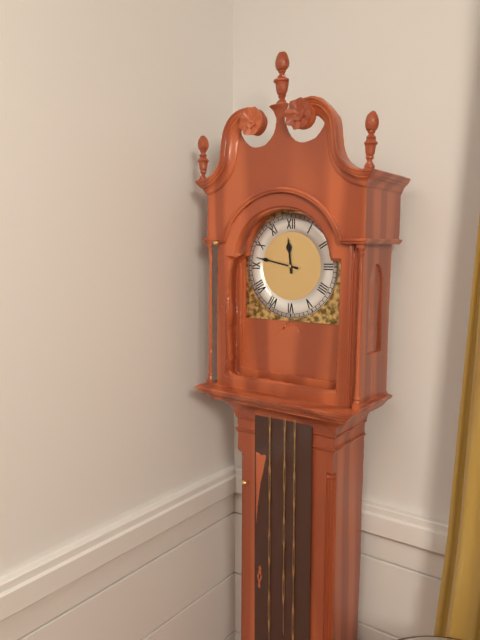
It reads 11:47
